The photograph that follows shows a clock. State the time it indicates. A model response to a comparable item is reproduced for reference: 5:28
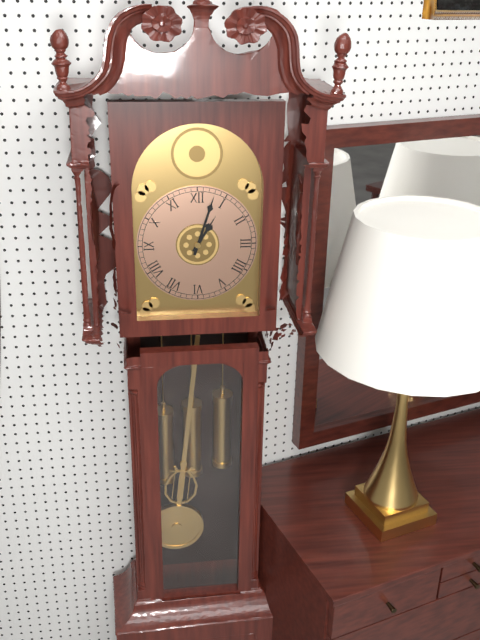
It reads 1:03
